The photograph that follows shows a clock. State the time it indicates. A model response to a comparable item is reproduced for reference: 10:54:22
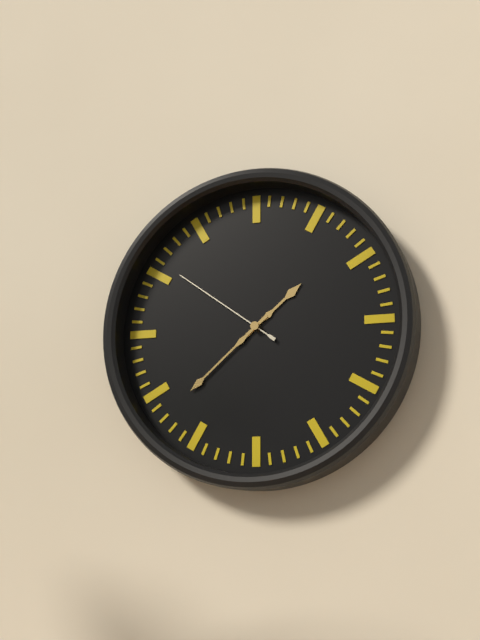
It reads 1:38:51
